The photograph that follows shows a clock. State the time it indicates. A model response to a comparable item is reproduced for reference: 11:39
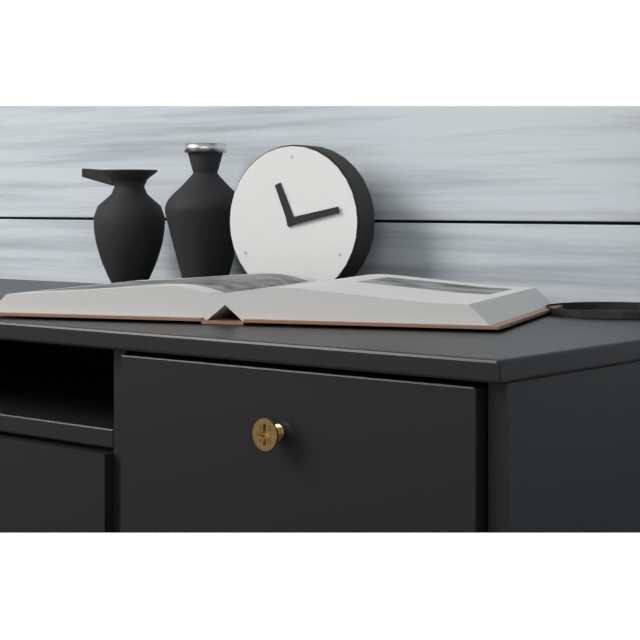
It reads 11:13
